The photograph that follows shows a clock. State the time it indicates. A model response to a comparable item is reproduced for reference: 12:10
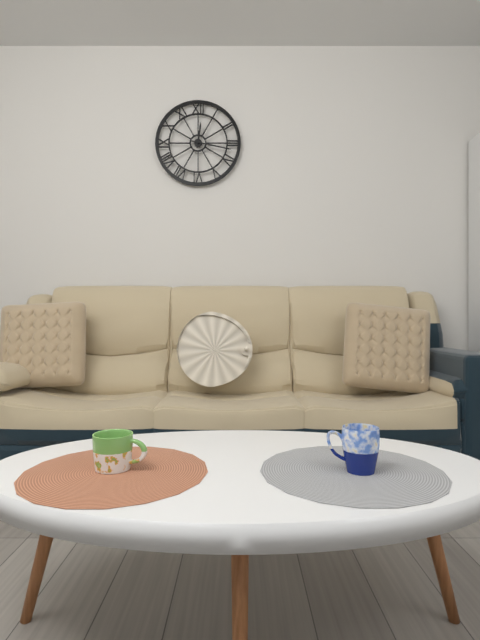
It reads 12:17
